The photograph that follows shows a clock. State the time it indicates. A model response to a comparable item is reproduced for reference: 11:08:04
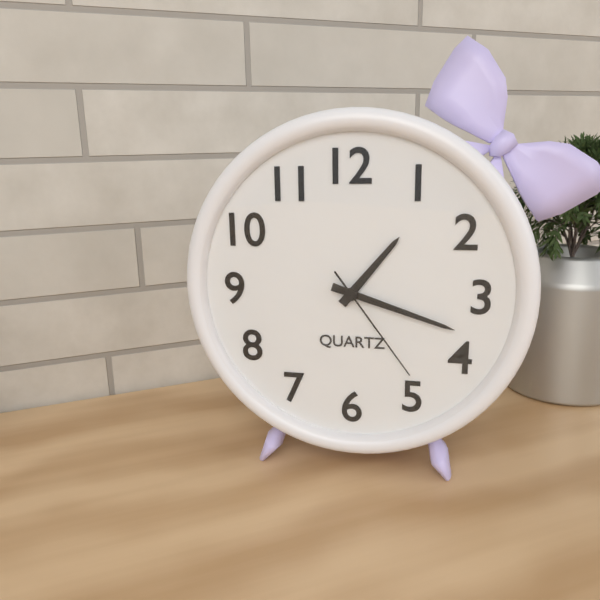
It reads 1:18:24
